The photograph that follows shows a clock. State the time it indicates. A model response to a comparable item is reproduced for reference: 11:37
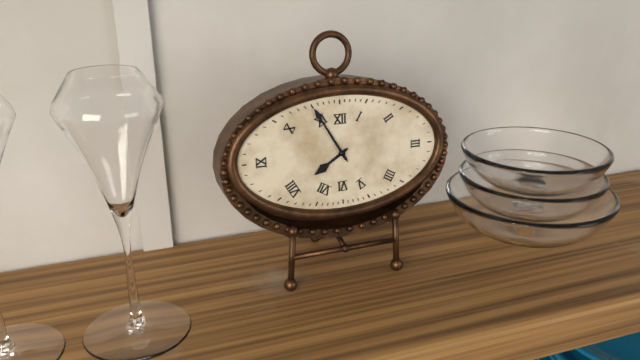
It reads 7:55
